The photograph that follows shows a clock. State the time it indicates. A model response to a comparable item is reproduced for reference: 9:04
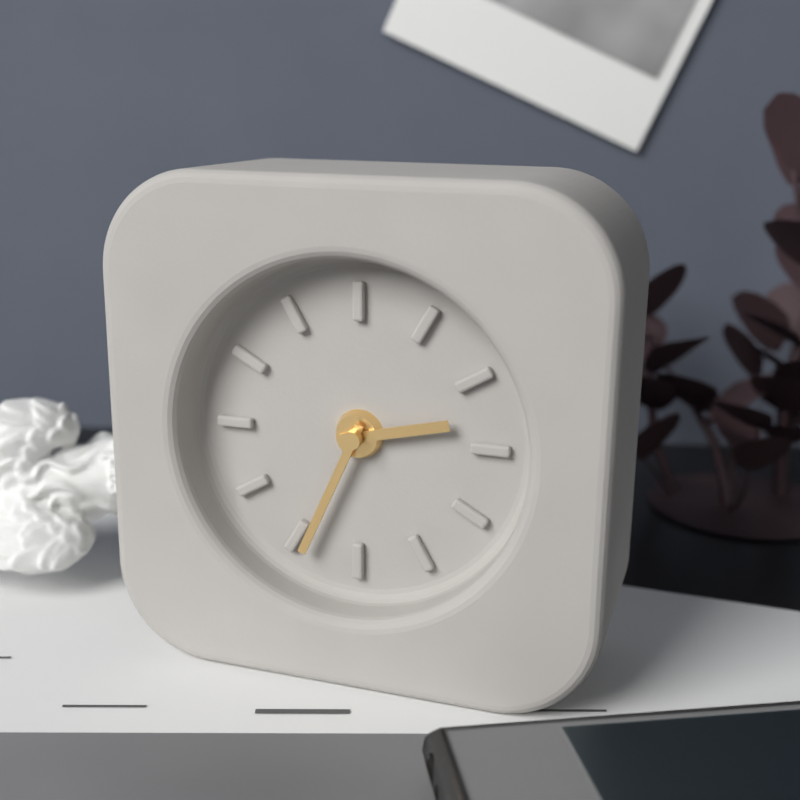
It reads 2:34
